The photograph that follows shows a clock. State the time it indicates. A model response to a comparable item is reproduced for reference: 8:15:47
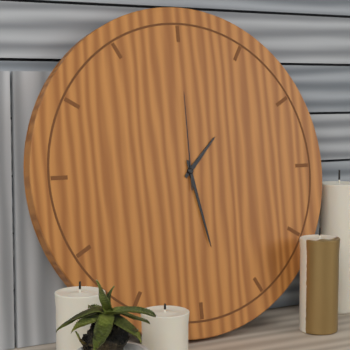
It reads 1:28:00
